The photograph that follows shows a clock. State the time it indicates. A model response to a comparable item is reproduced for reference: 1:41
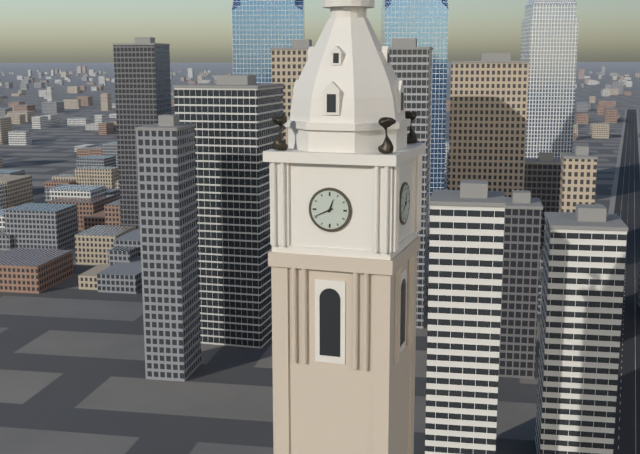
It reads 12:41
